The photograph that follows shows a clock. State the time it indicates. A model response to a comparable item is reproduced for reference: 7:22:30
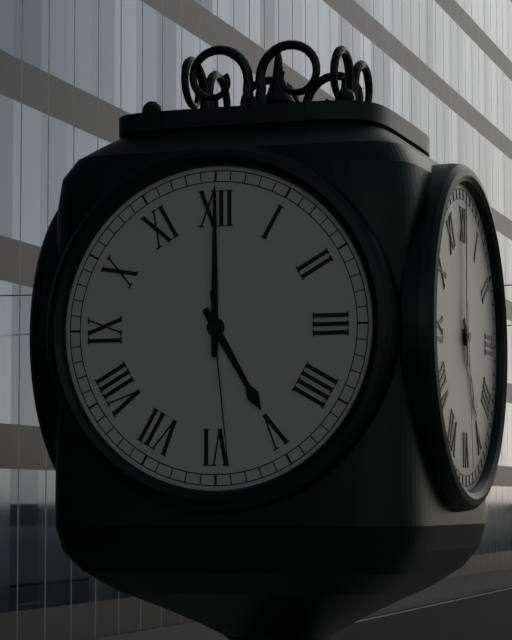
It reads 5:00:29
